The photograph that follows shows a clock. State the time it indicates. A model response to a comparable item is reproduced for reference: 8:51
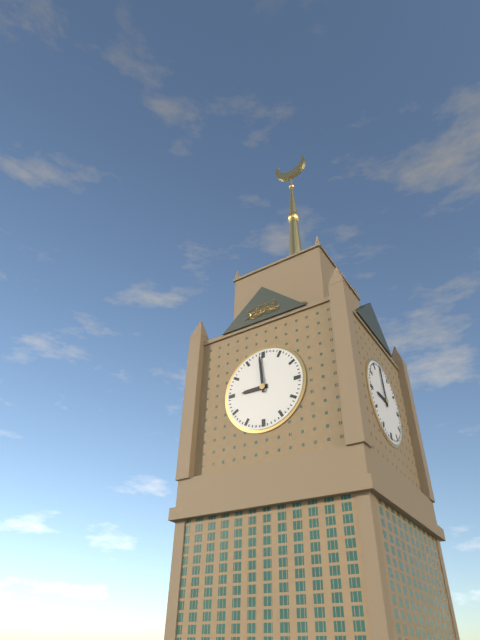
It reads 8:59
